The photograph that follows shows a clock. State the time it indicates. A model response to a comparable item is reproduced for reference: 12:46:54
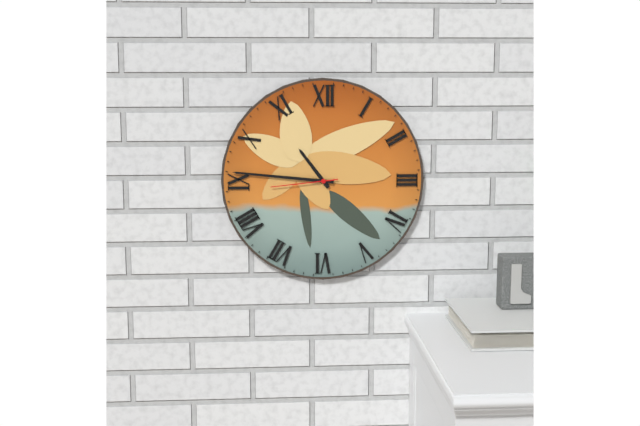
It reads 10:46:44
